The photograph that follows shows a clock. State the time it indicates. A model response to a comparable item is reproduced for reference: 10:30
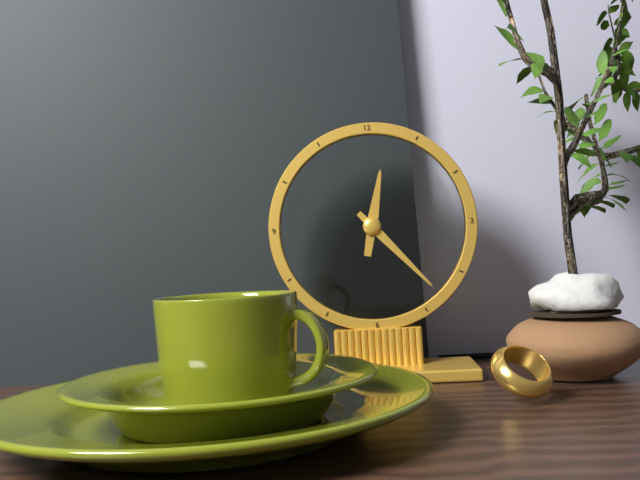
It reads 12:23
